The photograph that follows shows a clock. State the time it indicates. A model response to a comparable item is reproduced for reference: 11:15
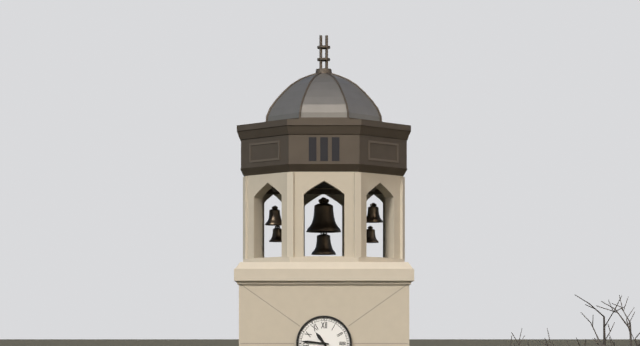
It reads 10:46
